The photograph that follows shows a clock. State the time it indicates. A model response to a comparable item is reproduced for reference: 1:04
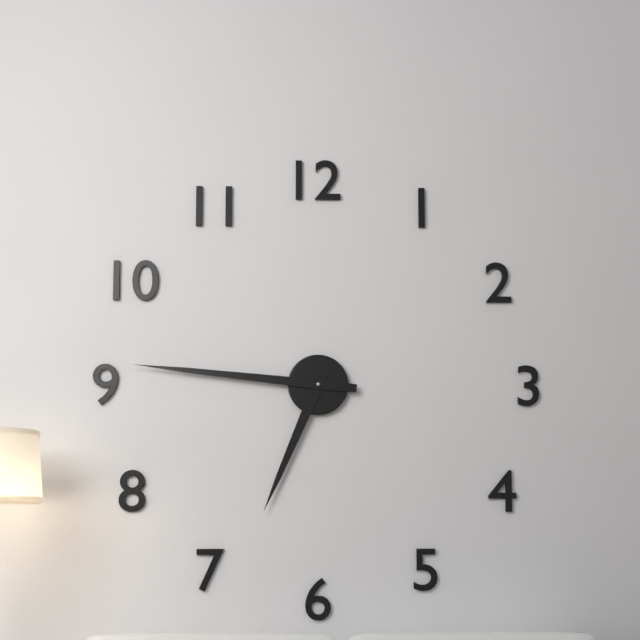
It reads 6:46
